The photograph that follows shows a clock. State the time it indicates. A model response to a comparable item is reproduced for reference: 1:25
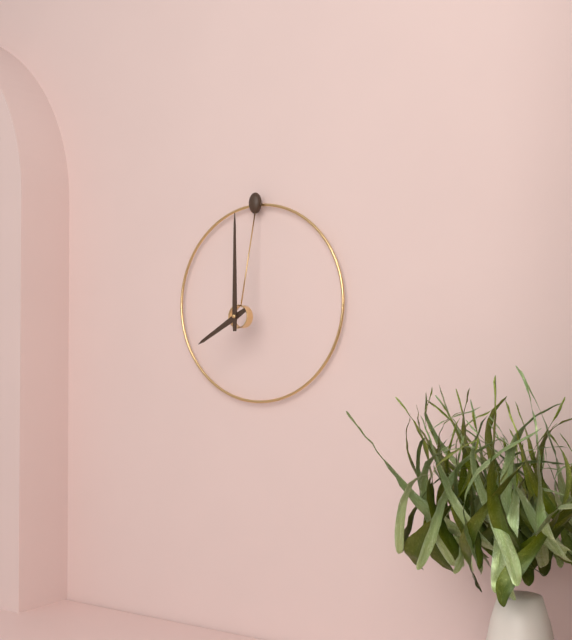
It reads 8:00
